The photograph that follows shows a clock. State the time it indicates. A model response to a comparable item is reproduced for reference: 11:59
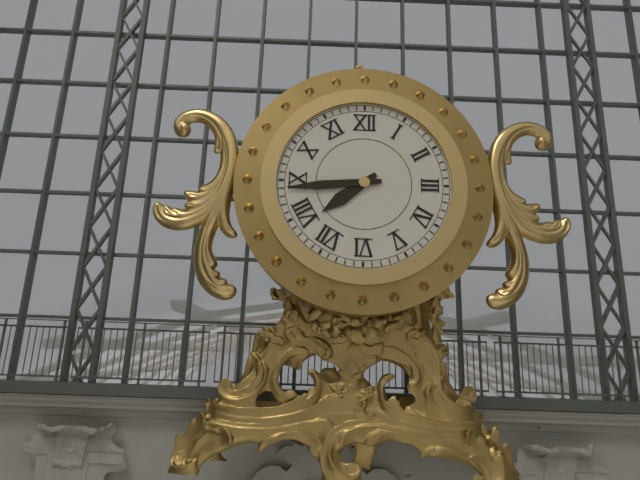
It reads 7:44
